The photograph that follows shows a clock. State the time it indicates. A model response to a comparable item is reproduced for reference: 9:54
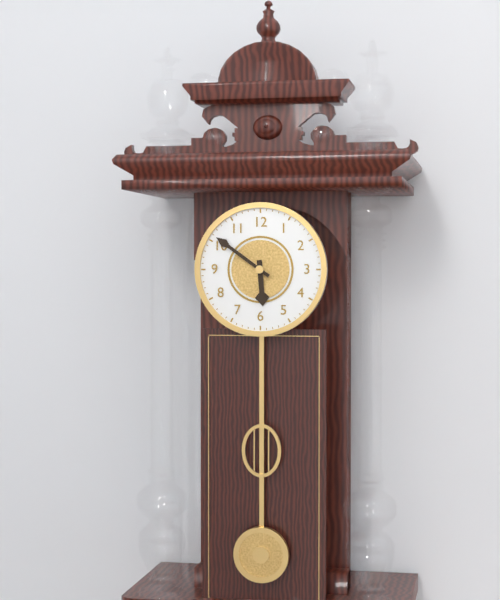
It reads 5:51
